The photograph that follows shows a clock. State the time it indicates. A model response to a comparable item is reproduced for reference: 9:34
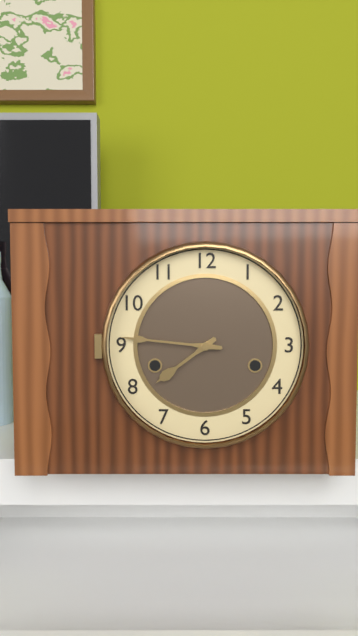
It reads 7:46
